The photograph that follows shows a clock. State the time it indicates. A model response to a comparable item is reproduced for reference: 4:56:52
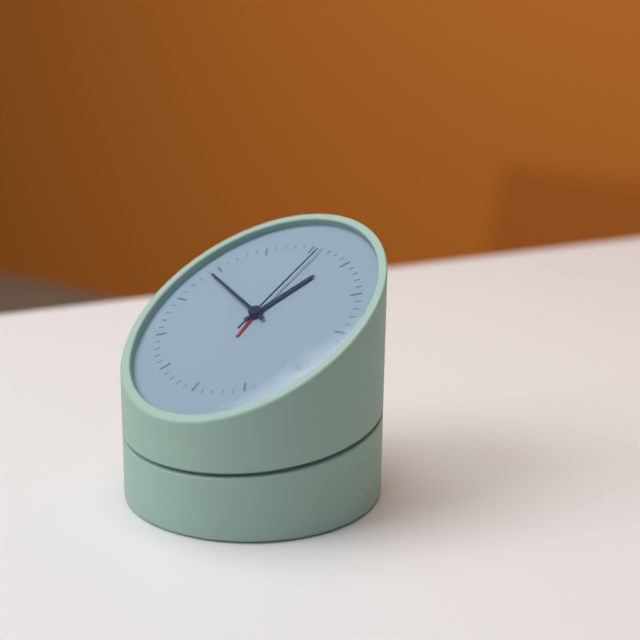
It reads 12:49:01
